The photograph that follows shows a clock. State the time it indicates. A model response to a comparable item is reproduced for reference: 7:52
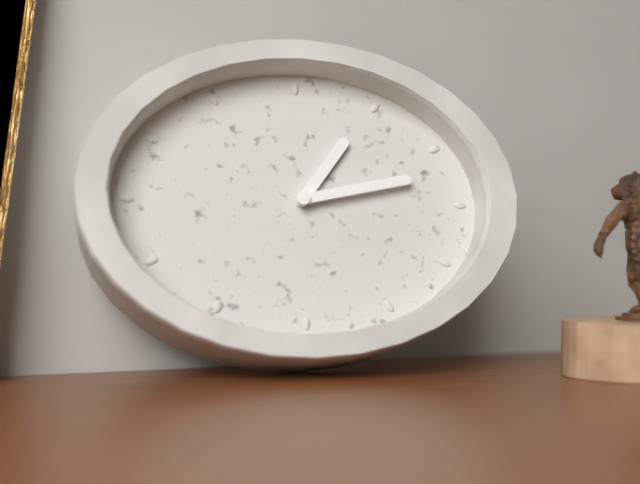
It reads 1:13
